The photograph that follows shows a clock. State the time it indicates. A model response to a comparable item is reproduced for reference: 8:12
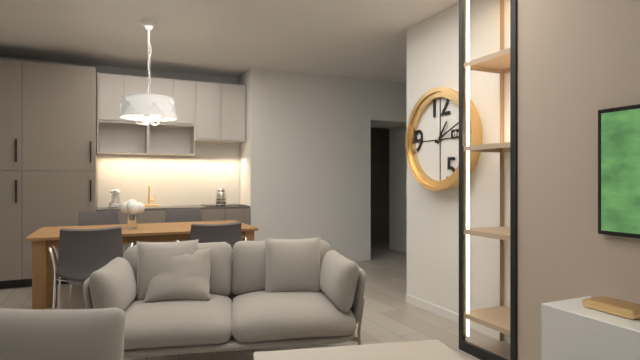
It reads 1:11
